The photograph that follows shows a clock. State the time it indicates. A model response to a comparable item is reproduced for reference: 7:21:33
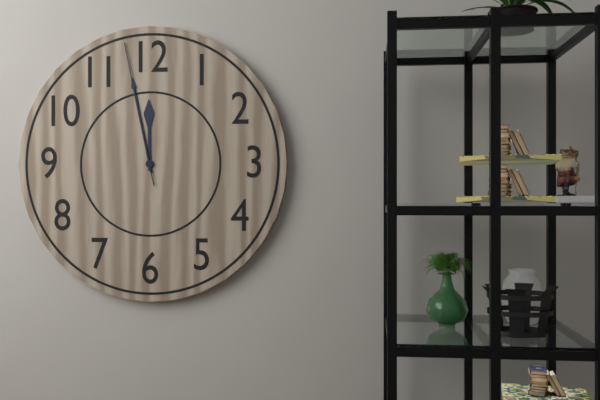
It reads 11:58:58
